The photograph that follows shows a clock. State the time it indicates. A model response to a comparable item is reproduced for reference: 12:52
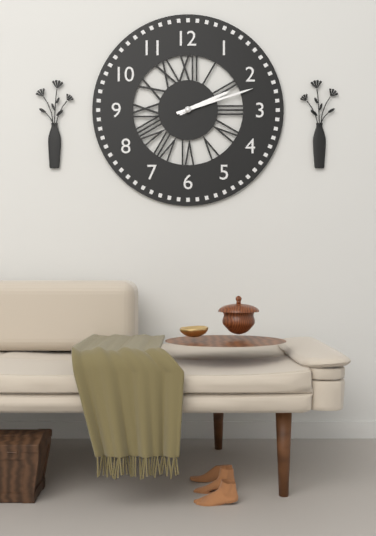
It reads 2:12
